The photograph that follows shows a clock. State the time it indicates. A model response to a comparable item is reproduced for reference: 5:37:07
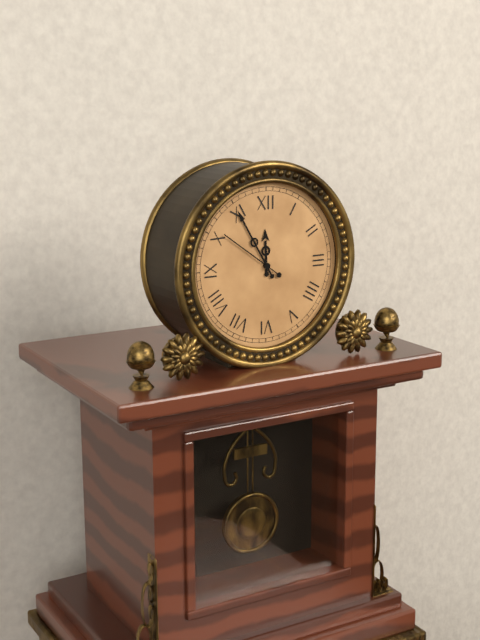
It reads 11:55:51
